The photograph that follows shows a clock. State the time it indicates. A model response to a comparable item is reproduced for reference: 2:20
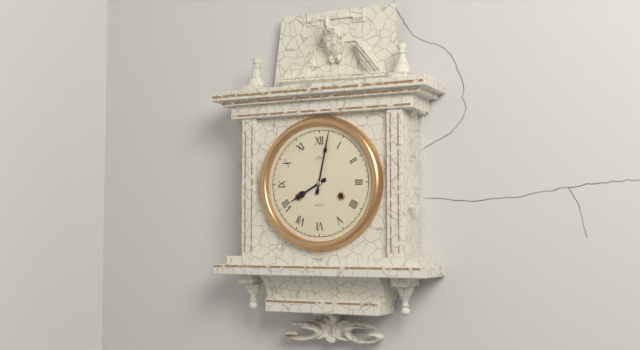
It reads 8:02
